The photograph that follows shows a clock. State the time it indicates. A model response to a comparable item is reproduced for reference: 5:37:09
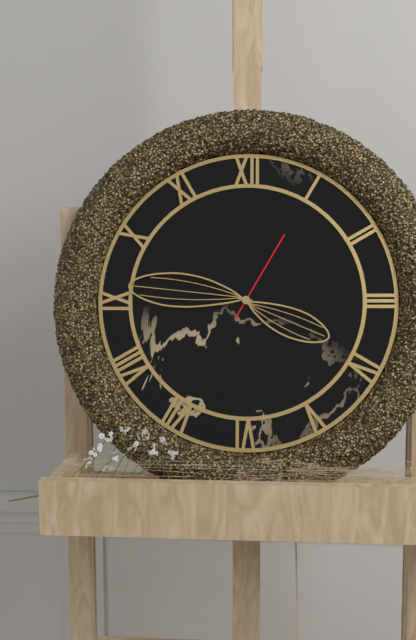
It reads 3:46:05
